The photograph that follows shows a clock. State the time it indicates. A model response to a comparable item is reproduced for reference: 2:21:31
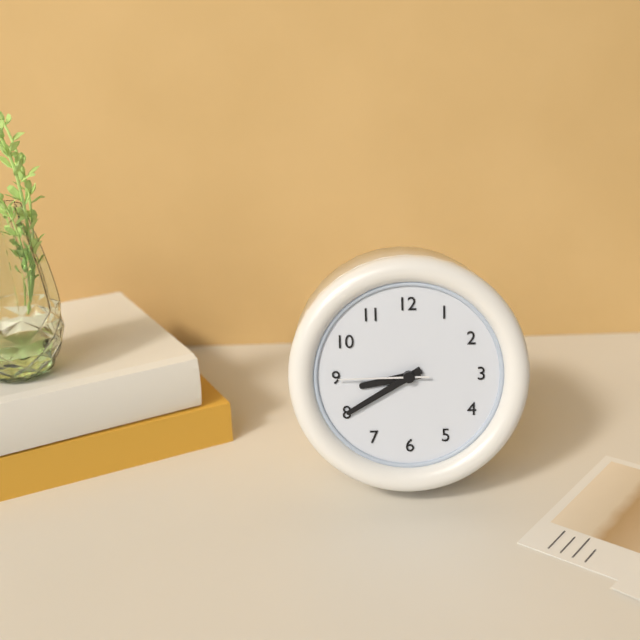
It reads 8:40:45
